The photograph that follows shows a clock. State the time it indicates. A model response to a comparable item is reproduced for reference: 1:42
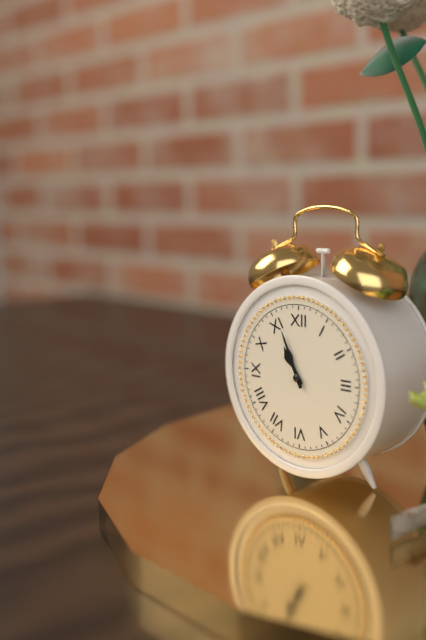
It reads 10:56
